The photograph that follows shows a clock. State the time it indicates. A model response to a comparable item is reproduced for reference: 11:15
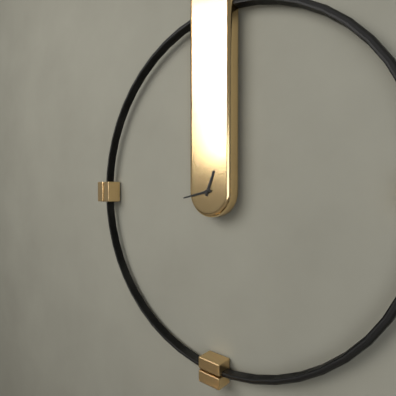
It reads 12:43
